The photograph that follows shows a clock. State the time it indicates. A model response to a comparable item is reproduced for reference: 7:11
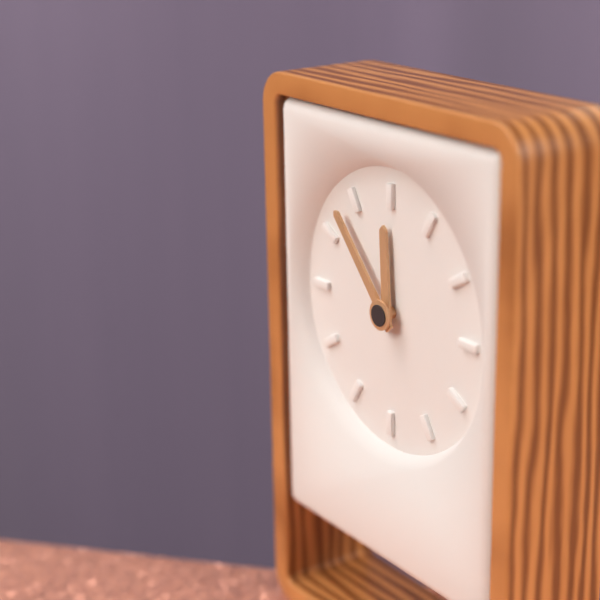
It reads 11:53
